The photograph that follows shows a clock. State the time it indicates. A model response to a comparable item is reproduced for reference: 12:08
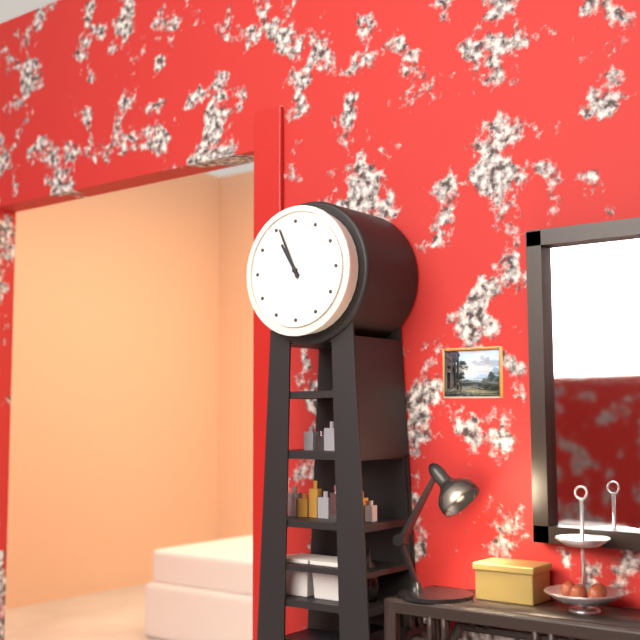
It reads 10:56
